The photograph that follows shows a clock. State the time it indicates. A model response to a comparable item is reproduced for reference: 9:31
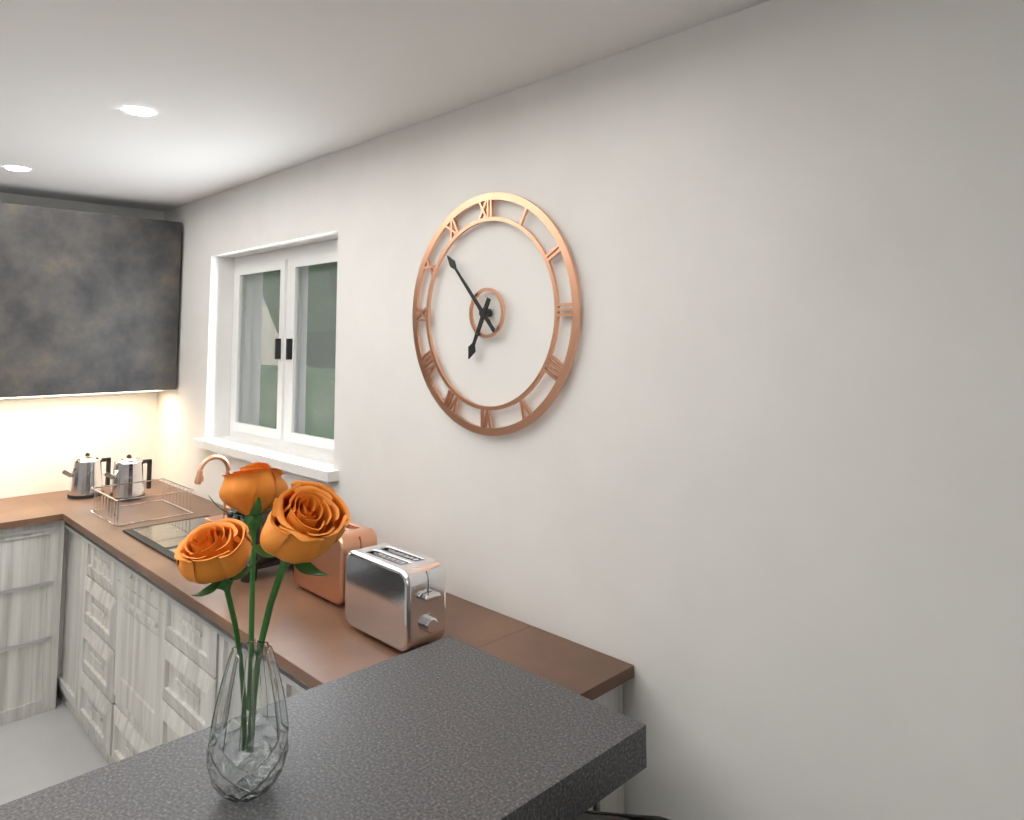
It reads 6:53
